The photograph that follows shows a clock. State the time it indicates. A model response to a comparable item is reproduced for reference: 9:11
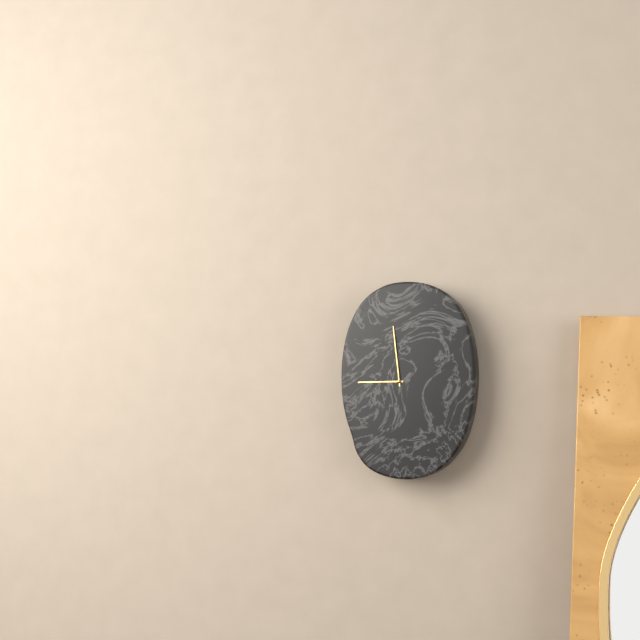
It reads 8:59
